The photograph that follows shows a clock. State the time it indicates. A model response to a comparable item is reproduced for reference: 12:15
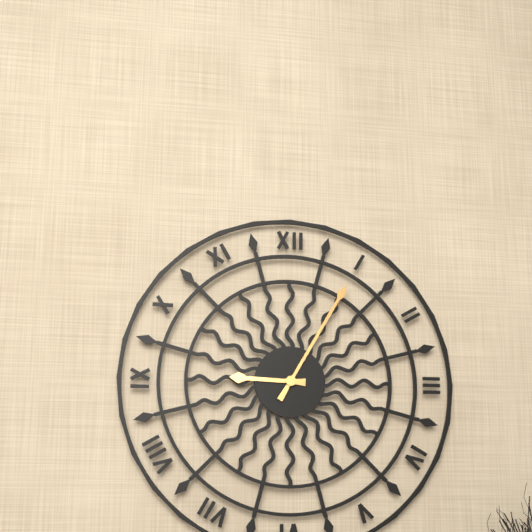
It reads 9:05
